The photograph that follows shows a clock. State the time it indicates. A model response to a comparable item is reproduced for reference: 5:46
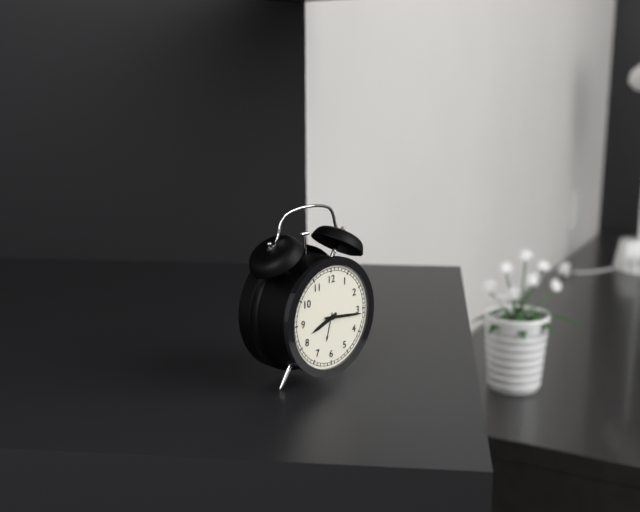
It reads 8:16
